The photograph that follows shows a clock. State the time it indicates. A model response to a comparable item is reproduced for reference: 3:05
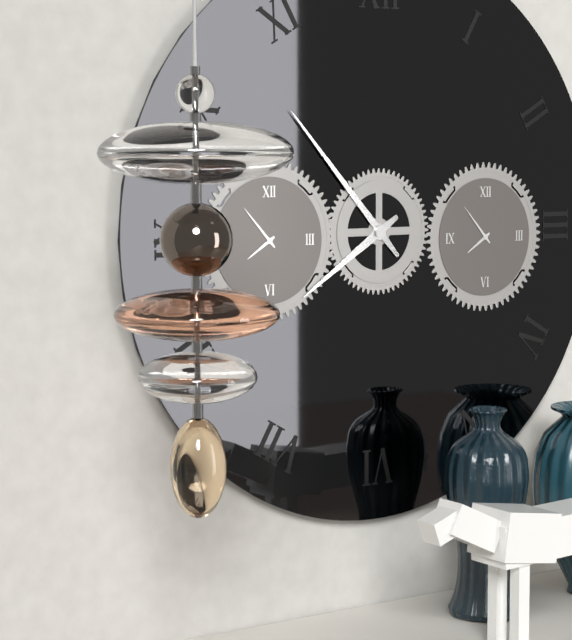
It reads 7:53
